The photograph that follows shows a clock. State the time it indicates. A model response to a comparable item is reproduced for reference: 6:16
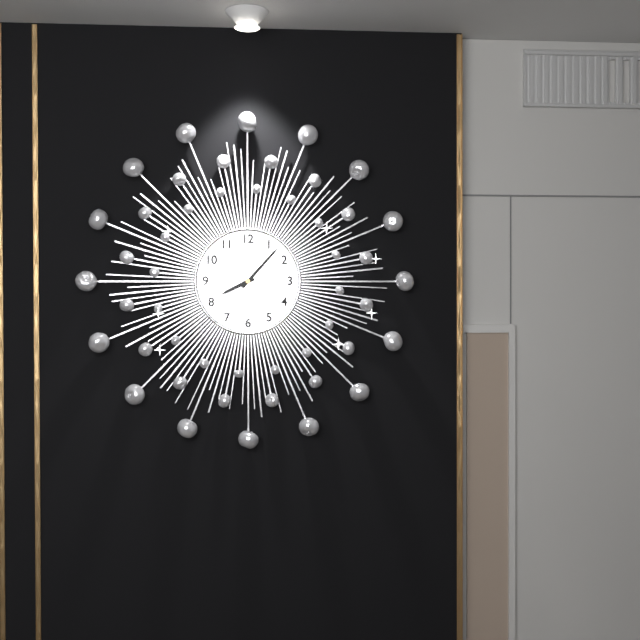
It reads 8:07
